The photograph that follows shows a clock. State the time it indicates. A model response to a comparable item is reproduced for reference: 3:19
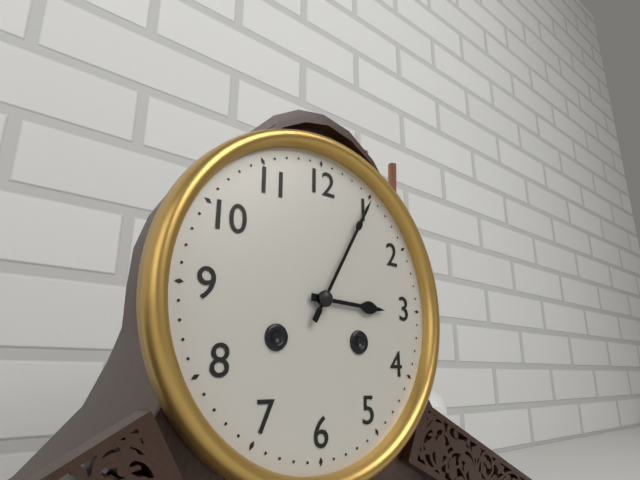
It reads 3:05
